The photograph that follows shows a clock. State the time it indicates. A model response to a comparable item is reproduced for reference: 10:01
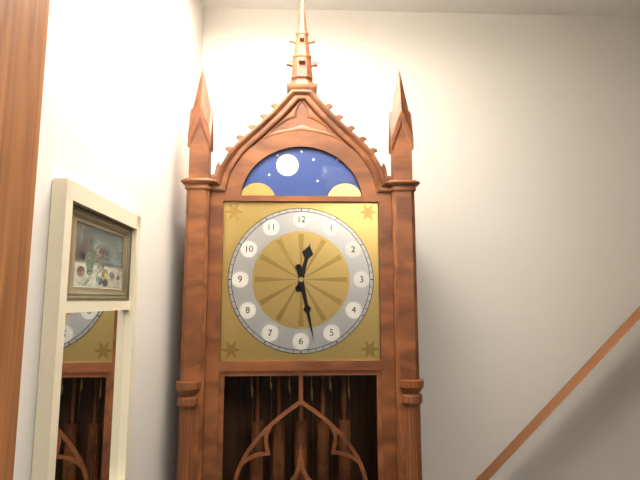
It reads 12:28
